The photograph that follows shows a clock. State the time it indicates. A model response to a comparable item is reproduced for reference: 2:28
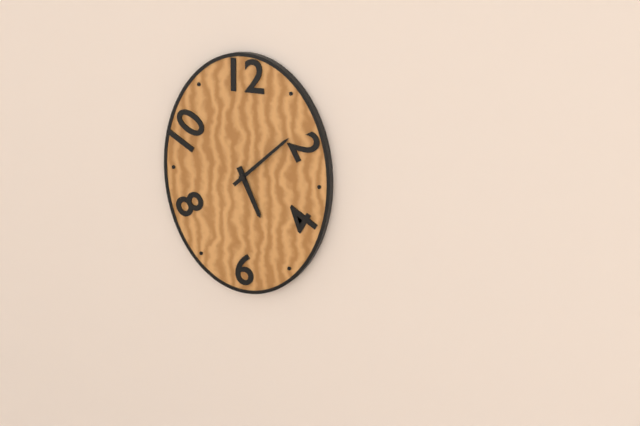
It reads 5:08
